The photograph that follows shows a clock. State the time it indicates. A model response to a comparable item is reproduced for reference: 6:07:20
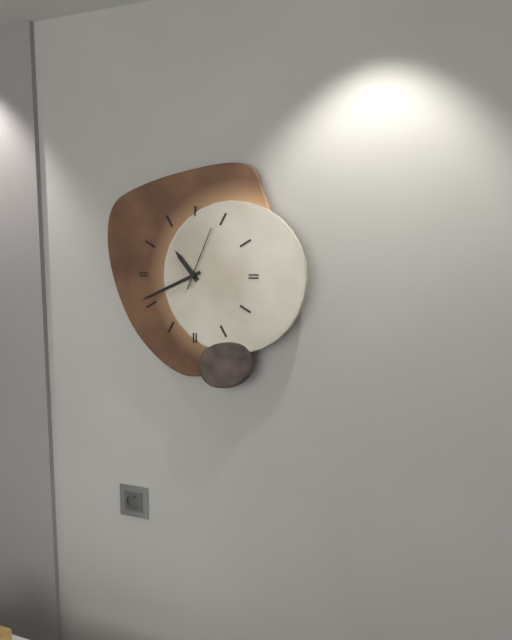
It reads 10:41:04
